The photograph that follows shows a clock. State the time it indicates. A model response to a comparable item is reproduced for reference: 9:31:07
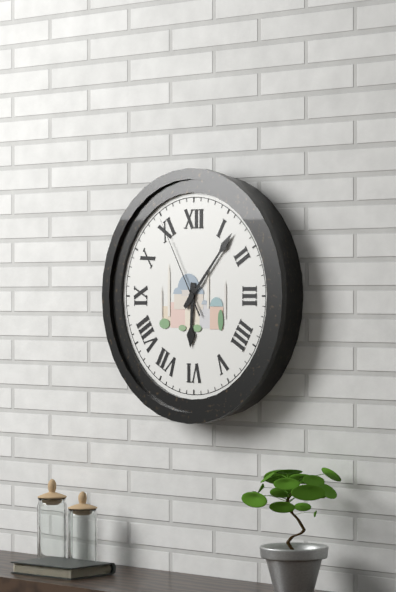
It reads 6:07:55
